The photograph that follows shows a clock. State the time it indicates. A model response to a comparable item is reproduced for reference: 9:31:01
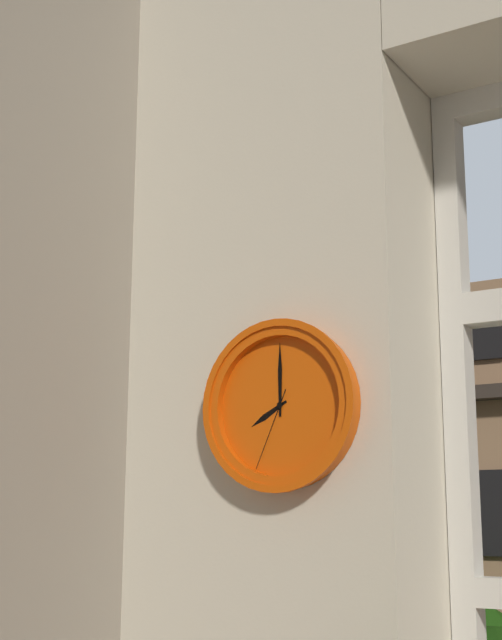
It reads 8:00:34
